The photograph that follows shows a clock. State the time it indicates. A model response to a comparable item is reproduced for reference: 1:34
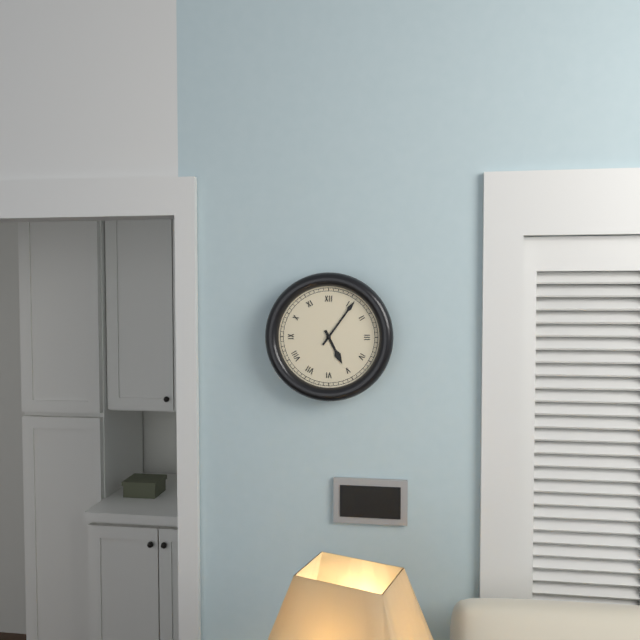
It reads 5:06
